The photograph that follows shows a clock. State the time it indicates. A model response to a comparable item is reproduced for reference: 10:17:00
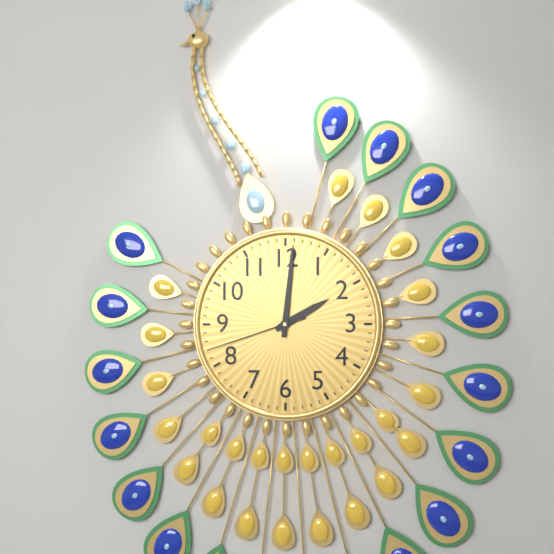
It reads 2:01:42
